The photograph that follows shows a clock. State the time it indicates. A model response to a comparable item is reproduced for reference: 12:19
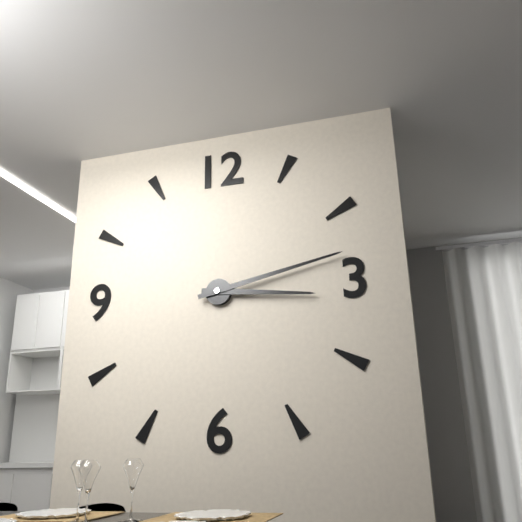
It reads 3:13
